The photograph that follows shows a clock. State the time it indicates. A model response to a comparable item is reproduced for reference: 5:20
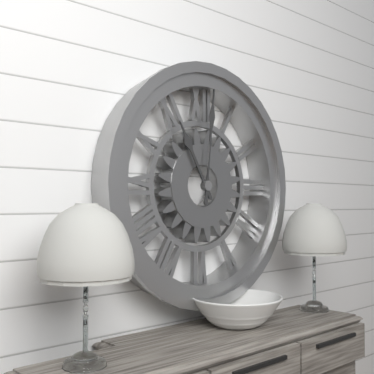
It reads 11:01
